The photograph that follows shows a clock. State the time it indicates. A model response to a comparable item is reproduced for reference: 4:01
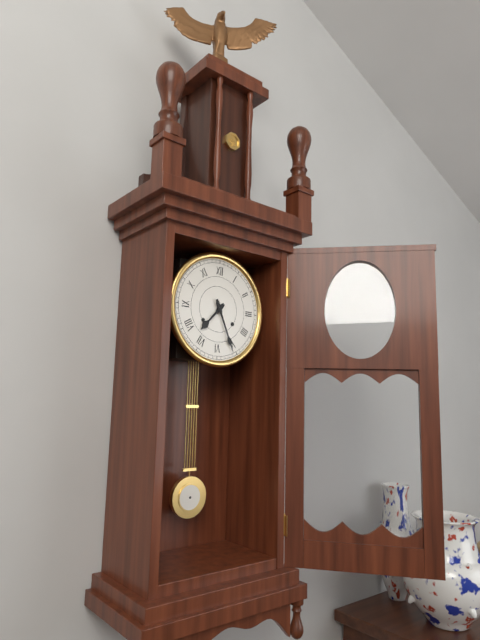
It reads 7:26
